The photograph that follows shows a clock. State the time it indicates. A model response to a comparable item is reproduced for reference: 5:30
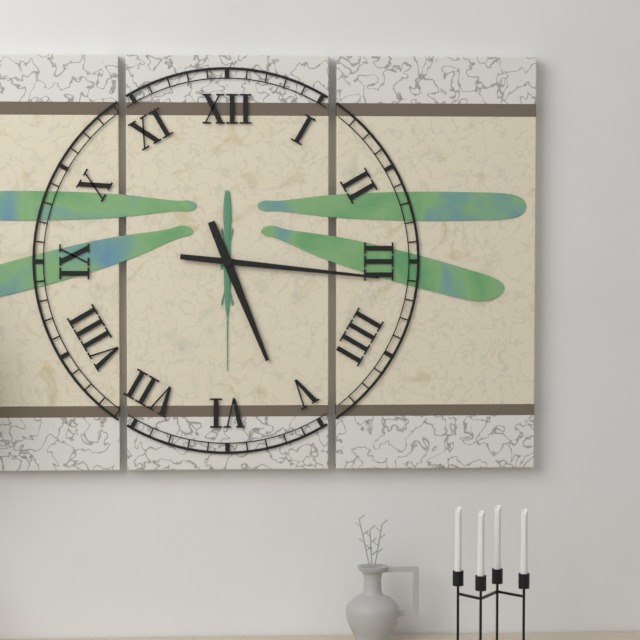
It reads 5:16
